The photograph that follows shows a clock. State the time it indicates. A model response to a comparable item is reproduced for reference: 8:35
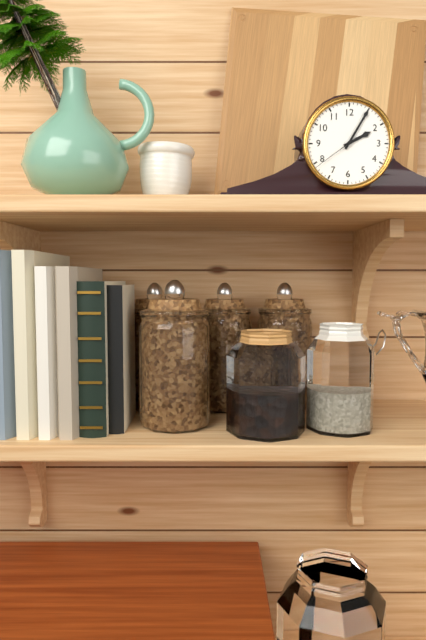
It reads 2:05
